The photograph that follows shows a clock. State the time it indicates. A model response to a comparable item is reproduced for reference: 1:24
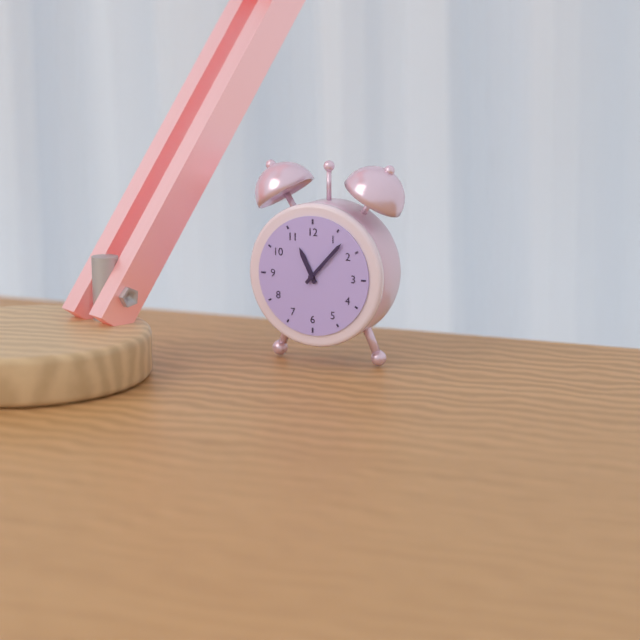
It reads 11:07
